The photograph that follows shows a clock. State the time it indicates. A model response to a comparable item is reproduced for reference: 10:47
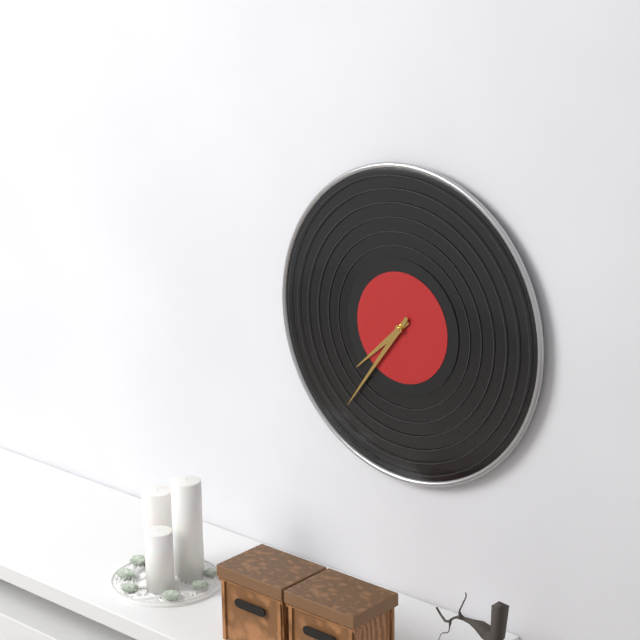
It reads 7:36
